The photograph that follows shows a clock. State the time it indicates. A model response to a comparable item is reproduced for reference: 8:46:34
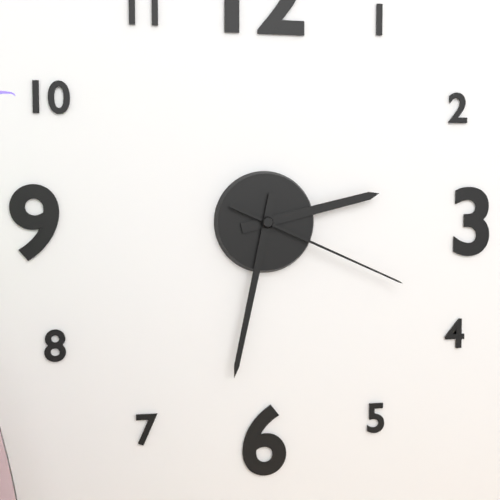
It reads 2:32:19
